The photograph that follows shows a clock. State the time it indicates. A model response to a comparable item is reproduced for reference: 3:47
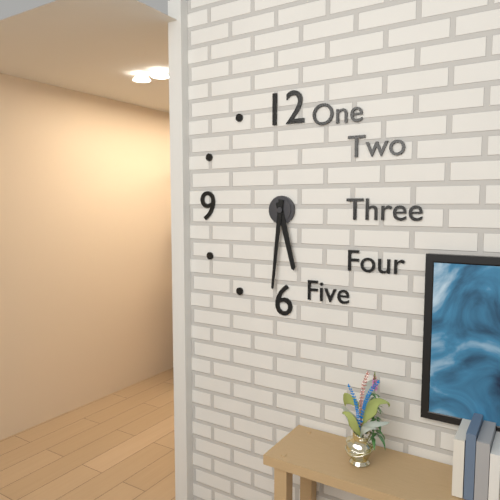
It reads 5:31
